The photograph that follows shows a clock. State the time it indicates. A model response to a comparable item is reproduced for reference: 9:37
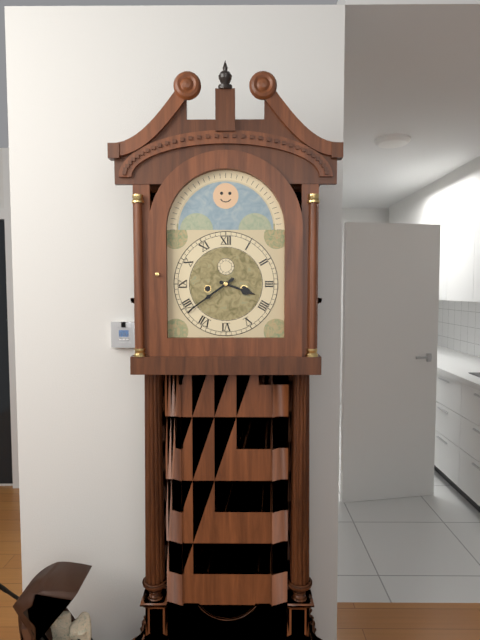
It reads 3:39
